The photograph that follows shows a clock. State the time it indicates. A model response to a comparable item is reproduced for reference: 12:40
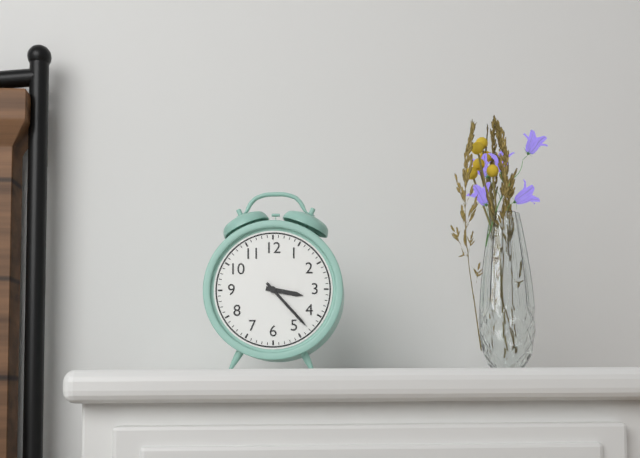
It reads 3:23
